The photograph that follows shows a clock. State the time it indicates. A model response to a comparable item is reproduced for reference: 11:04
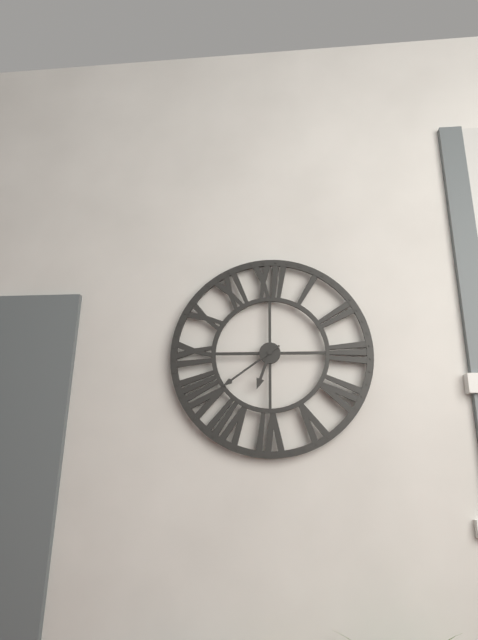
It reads 6:39
